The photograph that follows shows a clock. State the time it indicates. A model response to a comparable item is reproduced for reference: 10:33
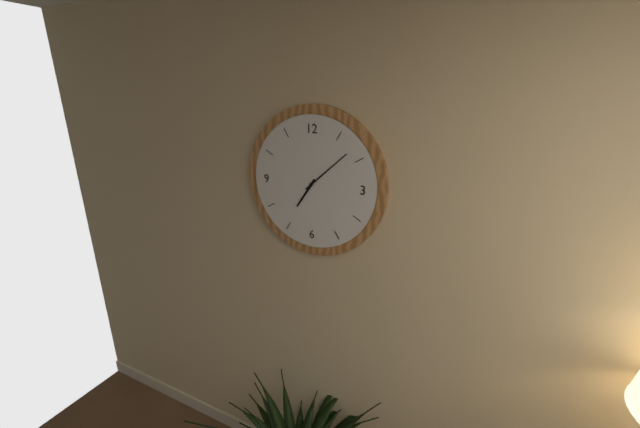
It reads 7:08
